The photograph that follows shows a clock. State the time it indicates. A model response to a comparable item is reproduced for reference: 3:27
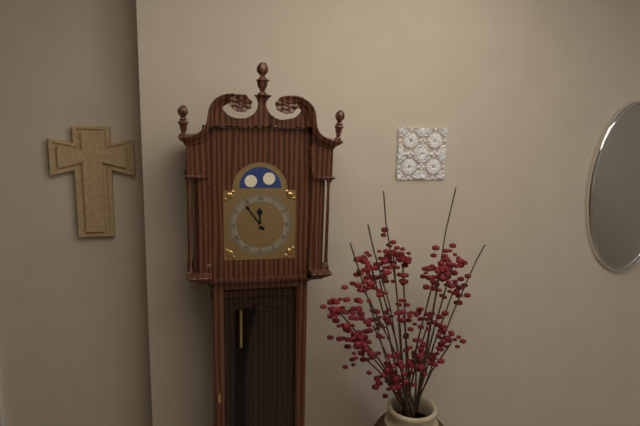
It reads 11:54
